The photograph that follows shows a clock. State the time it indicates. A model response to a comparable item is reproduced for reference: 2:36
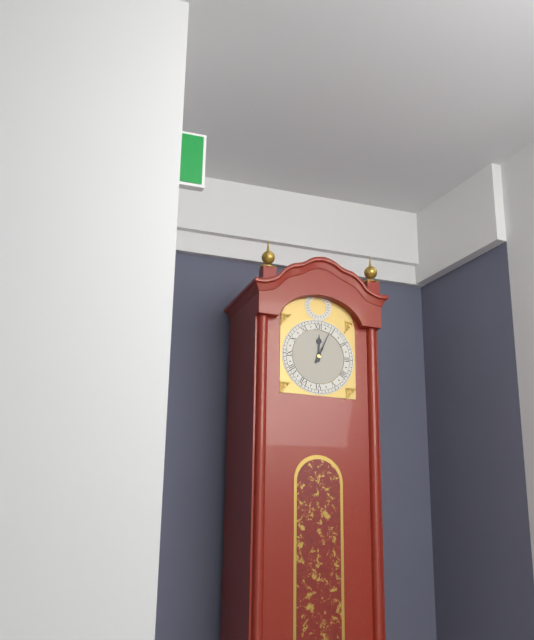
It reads 12:04
